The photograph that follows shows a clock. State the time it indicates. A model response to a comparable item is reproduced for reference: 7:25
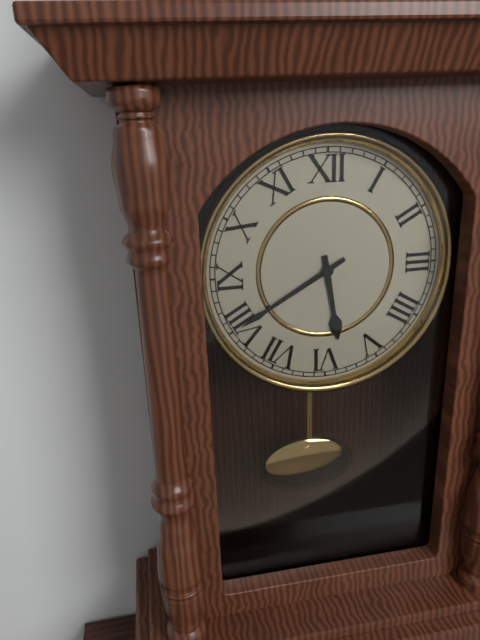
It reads 5:40
